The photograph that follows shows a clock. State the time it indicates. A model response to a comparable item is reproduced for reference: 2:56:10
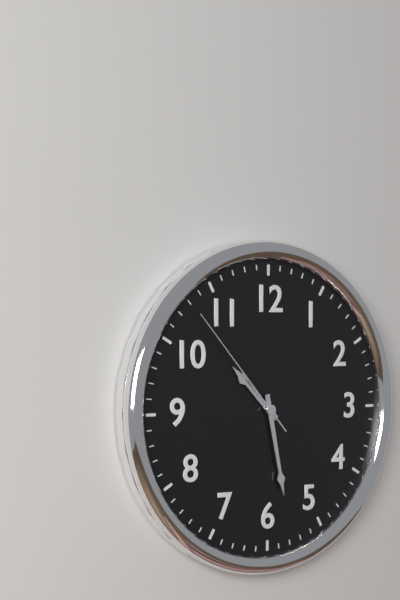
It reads 10:28:53
